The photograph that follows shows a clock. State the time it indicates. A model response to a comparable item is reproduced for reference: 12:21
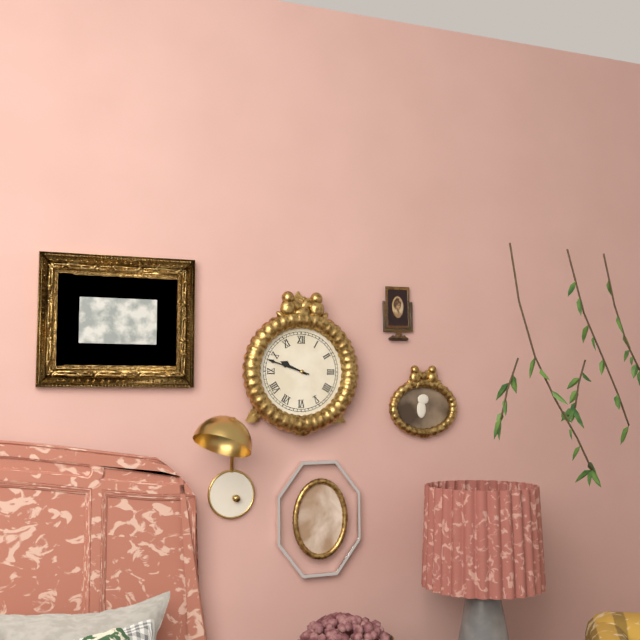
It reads 9:48
